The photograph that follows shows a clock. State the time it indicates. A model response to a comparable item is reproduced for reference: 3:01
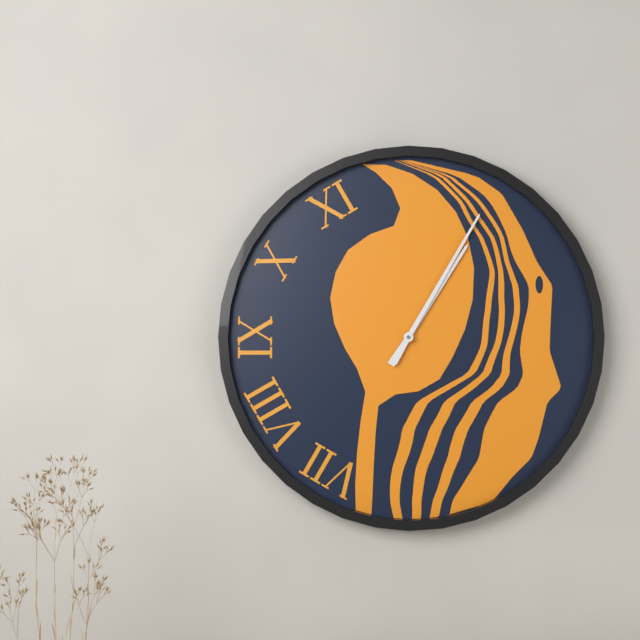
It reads 1:05
